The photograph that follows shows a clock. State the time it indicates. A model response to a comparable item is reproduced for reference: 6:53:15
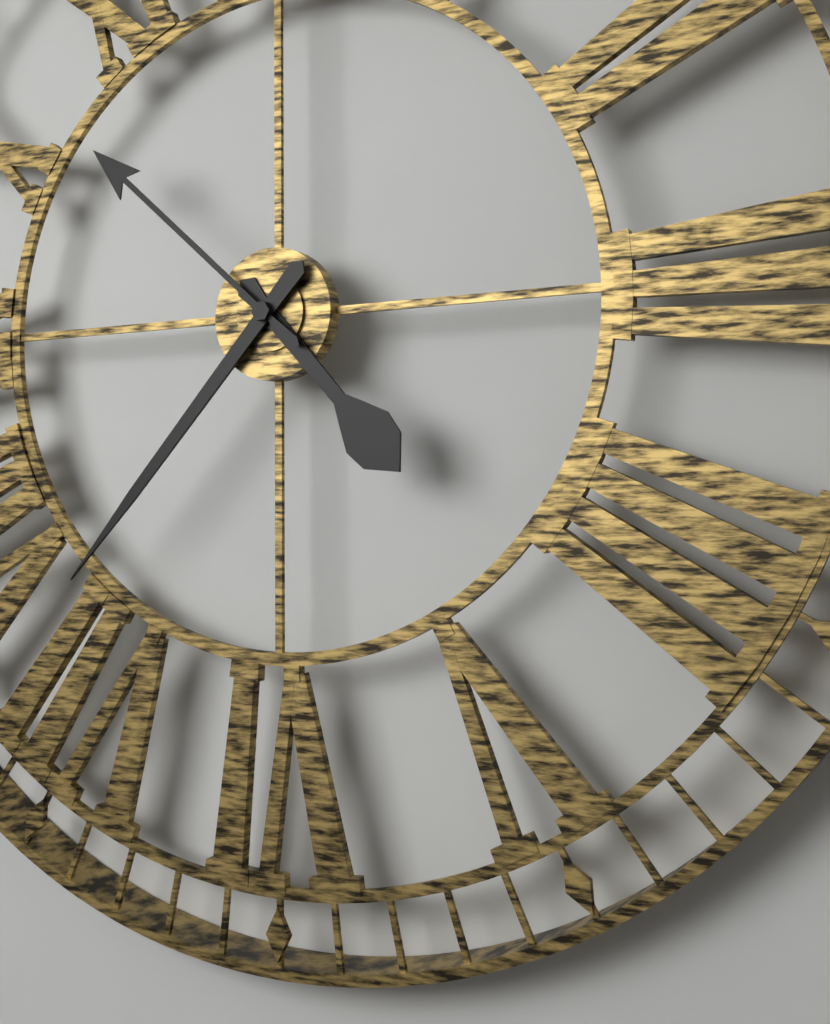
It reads 4:37:52
